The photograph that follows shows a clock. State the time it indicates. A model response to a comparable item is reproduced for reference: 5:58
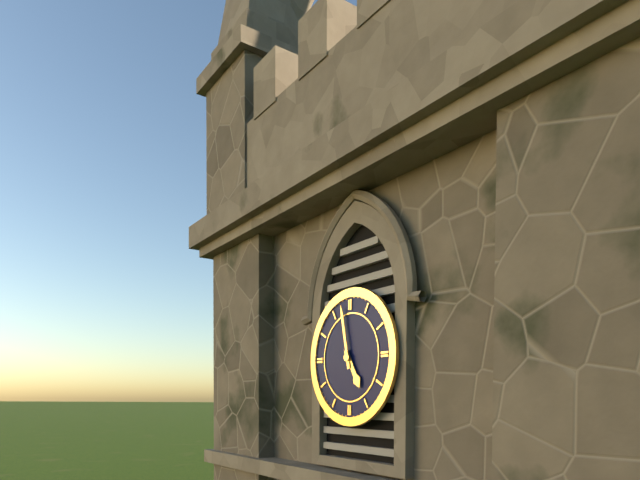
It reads 4:58
